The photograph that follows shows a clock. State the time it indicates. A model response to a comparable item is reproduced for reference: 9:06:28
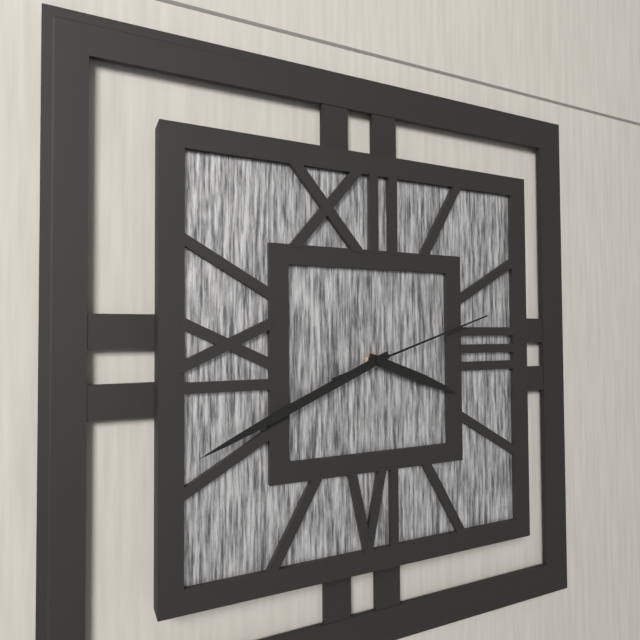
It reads 3:41:12
